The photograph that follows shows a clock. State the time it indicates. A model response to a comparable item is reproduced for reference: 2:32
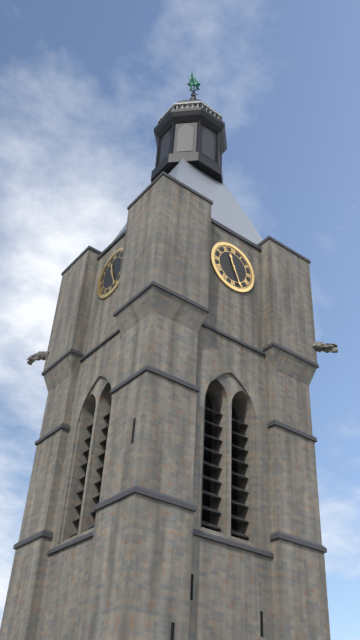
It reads 11:26
